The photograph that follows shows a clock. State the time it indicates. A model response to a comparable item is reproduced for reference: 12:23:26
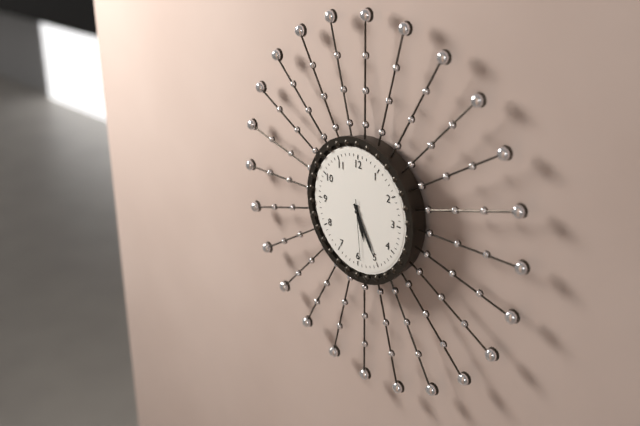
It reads 5:25:29
